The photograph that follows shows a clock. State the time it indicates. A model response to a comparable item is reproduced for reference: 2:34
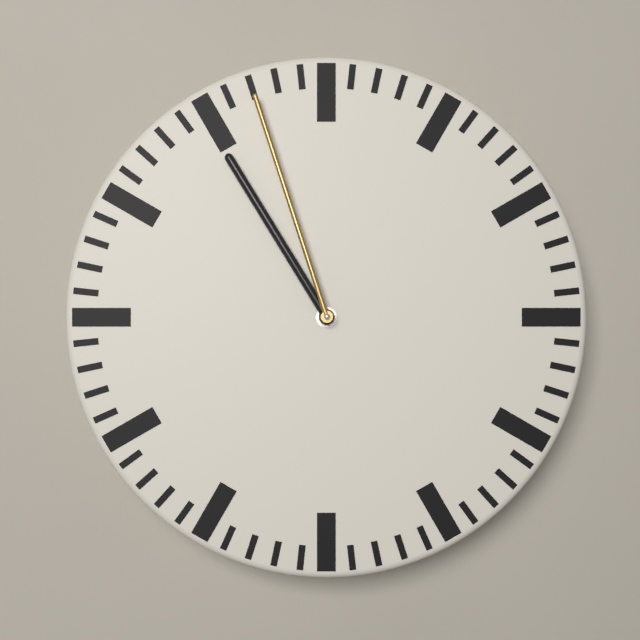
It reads 10:57
